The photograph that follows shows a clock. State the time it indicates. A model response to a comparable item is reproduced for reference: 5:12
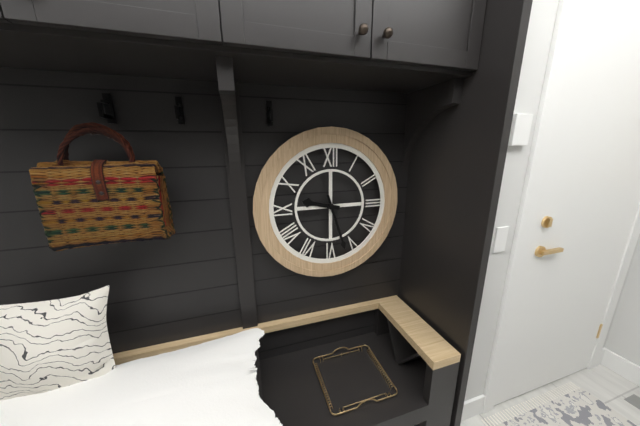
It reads 9:27
